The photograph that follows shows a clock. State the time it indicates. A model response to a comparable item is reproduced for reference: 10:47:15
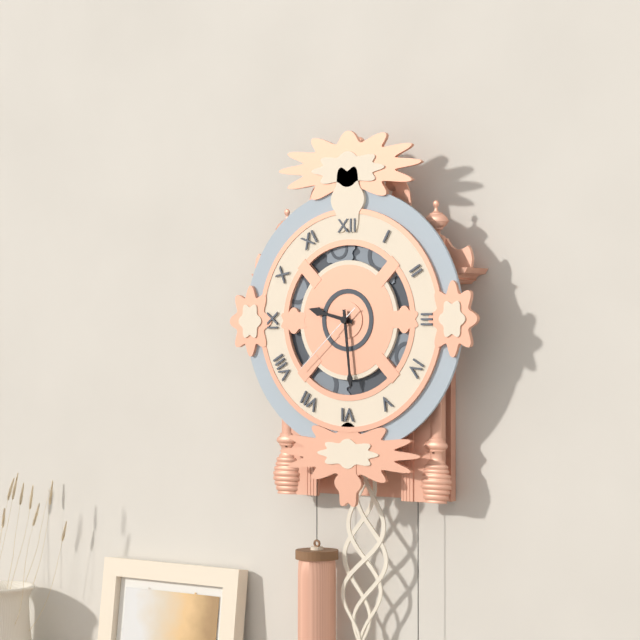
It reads 9:29:38
